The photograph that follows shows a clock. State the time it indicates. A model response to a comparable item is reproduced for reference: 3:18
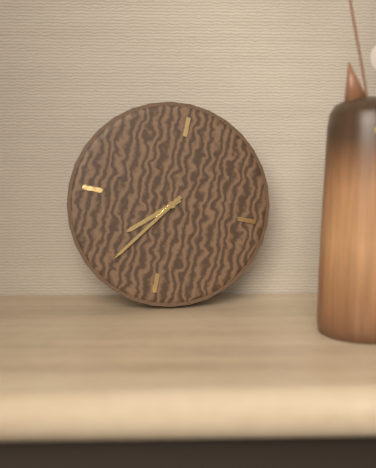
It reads 7:36
